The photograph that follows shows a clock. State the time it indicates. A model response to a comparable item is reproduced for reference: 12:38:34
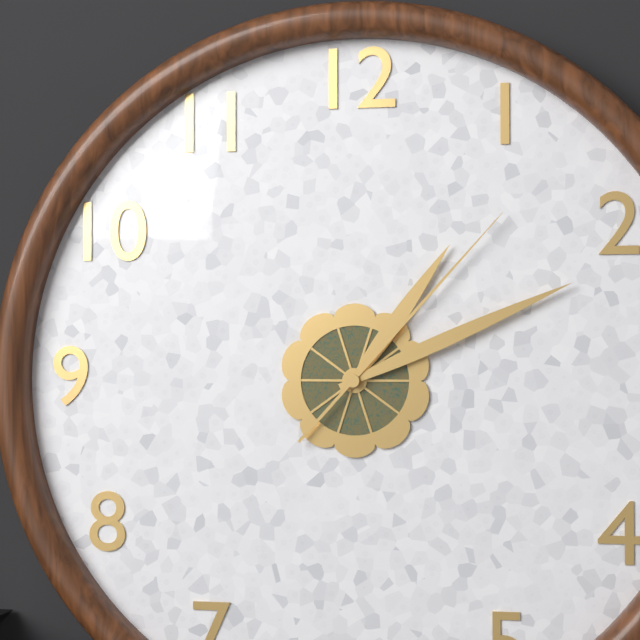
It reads 1:11:07
